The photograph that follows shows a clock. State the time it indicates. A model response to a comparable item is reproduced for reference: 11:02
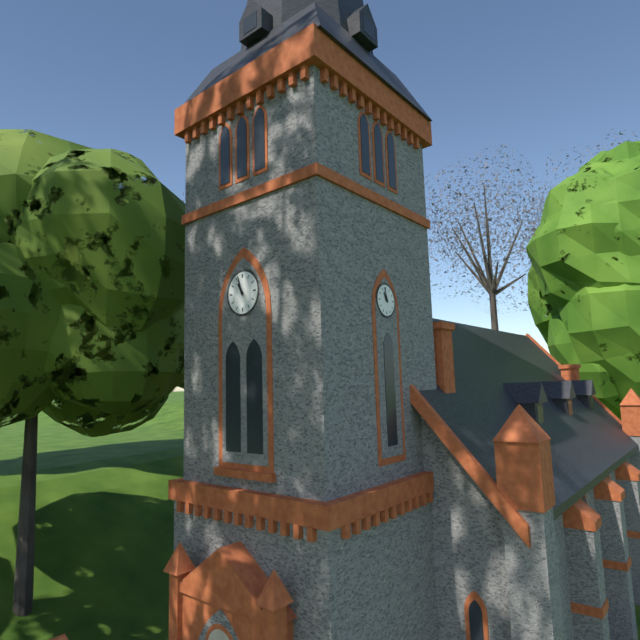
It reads 10:57
